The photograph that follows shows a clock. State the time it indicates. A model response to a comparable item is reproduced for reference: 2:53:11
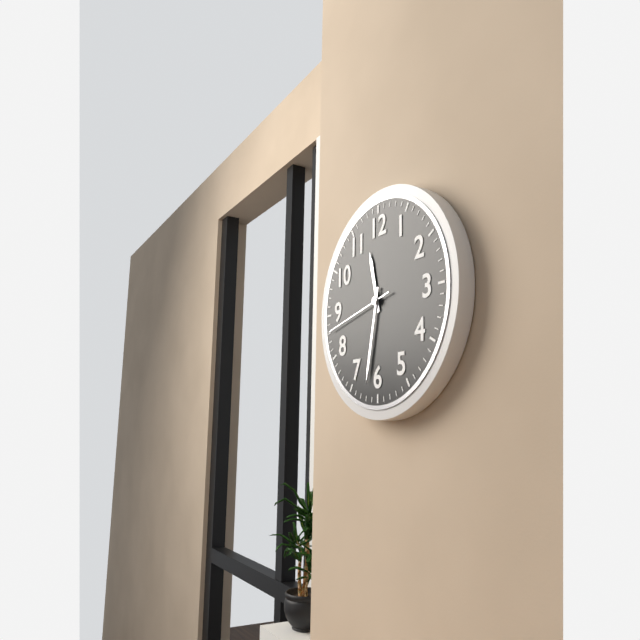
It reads 11:32:43
